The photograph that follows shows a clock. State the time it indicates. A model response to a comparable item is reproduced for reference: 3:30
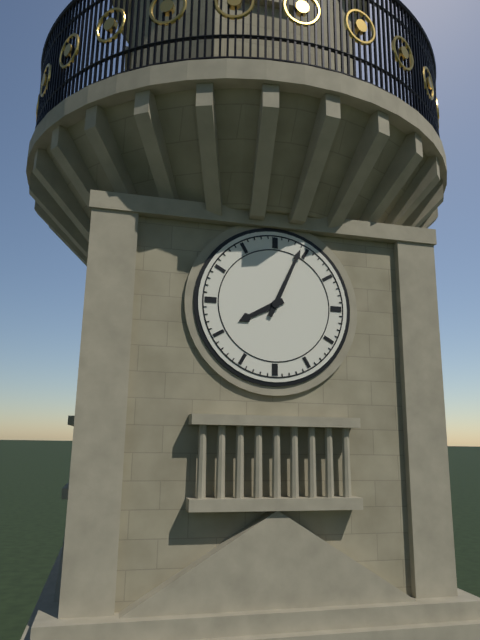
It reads 8:04
